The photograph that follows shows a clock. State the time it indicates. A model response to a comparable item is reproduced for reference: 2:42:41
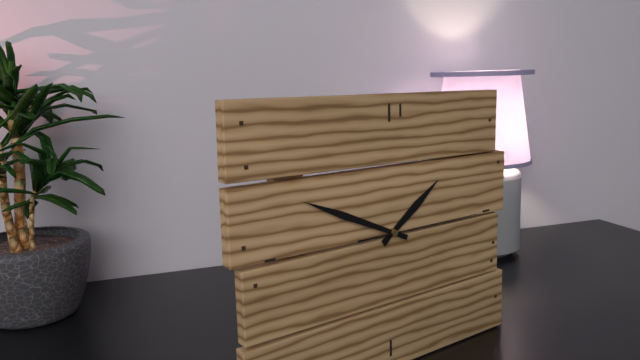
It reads 1:49:15
